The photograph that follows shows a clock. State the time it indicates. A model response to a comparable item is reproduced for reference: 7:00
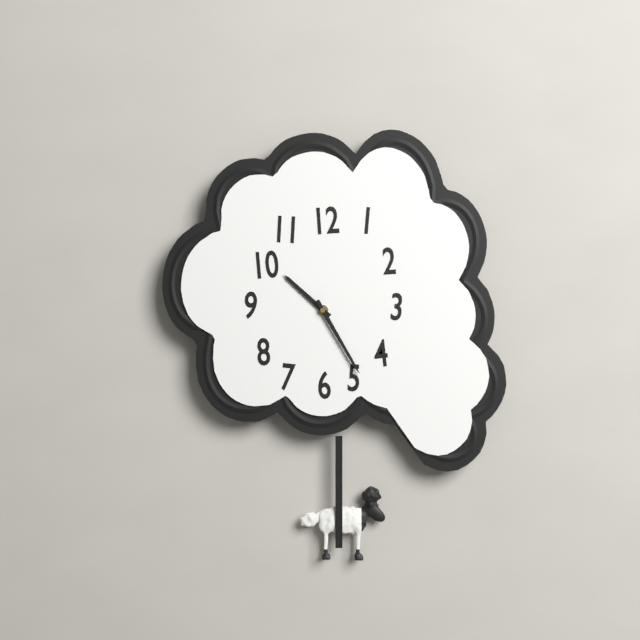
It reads 10:25
